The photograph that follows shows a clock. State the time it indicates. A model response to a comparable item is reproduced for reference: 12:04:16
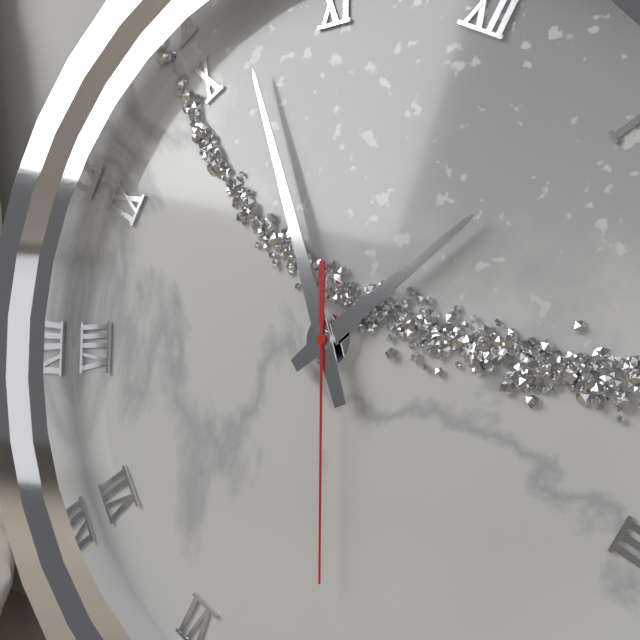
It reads 12:52:25
